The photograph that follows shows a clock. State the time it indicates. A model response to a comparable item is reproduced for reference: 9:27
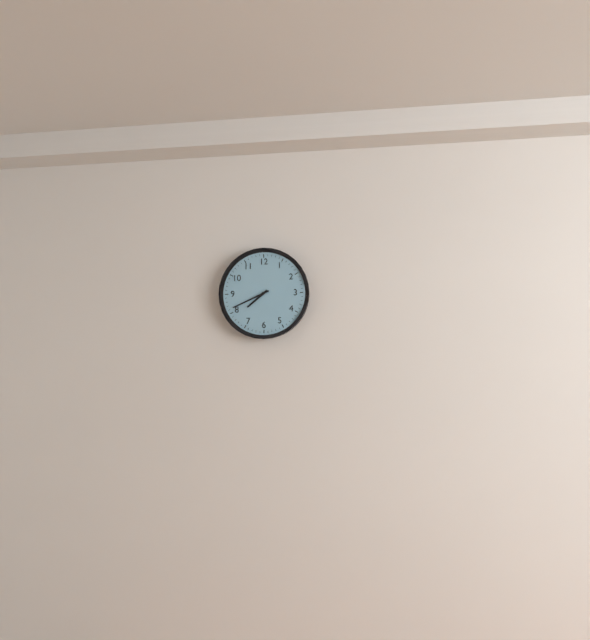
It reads 7:41
